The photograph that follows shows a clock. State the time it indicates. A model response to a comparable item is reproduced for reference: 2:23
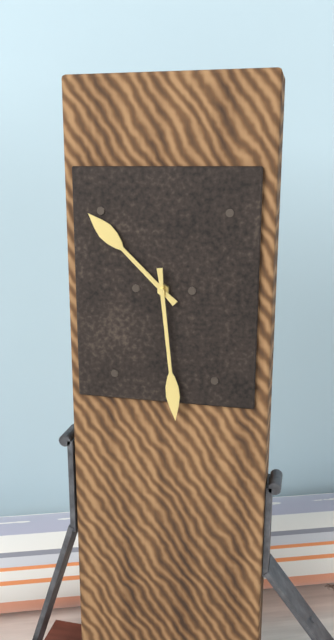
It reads 10:29
